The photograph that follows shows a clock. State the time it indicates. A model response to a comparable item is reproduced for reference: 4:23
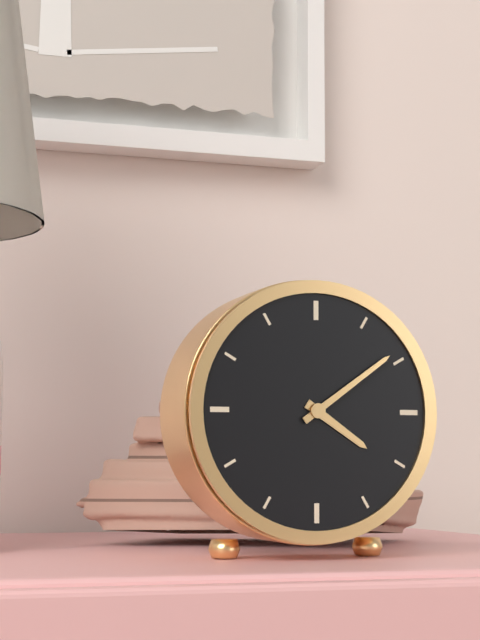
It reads 4:09
